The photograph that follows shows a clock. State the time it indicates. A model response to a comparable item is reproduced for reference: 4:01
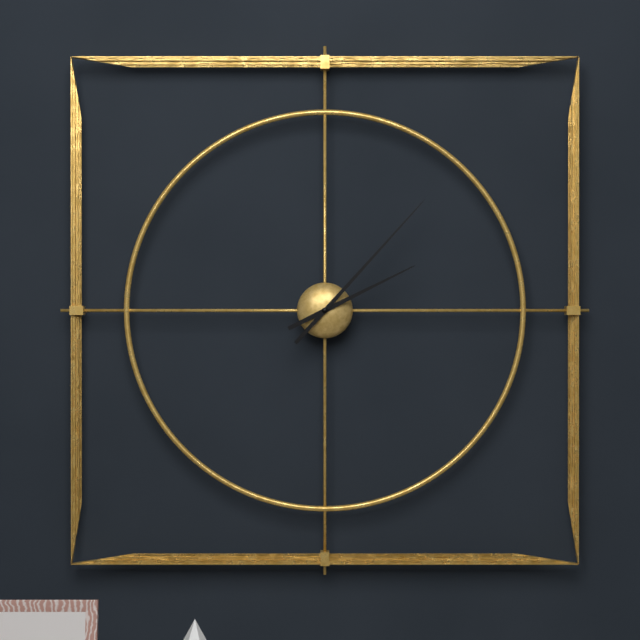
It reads 2:07
